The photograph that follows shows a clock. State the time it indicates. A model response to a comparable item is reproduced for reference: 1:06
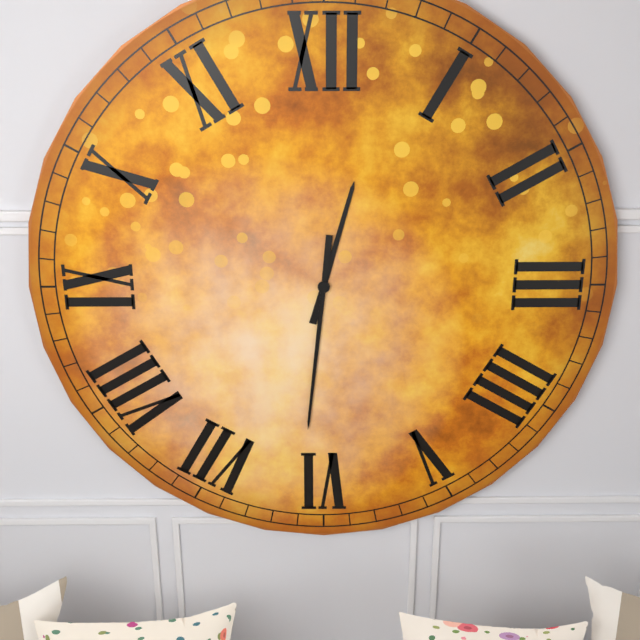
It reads 12:31
